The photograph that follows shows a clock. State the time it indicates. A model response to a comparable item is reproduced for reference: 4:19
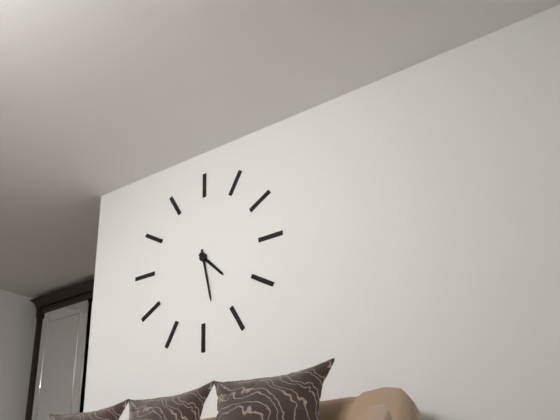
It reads 4:28
